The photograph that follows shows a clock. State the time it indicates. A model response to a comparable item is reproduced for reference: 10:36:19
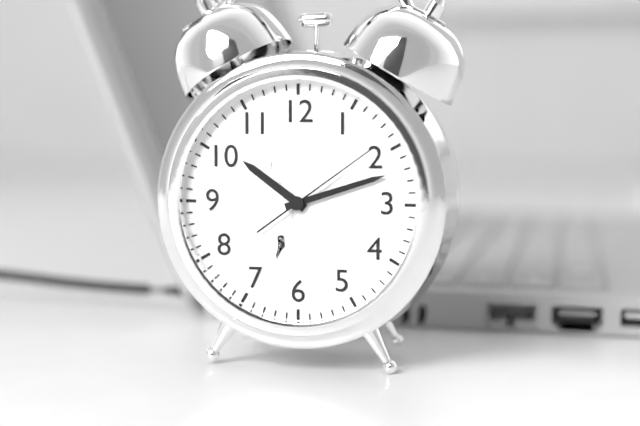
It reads 10:12:09
